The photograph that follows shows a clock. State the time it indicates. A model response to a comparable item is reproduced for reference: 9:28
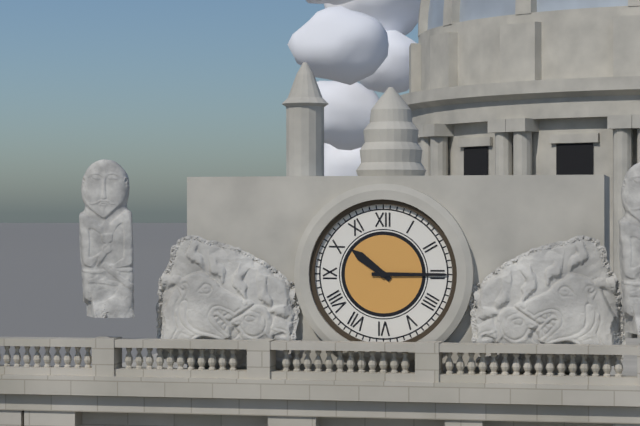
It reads 10:15
